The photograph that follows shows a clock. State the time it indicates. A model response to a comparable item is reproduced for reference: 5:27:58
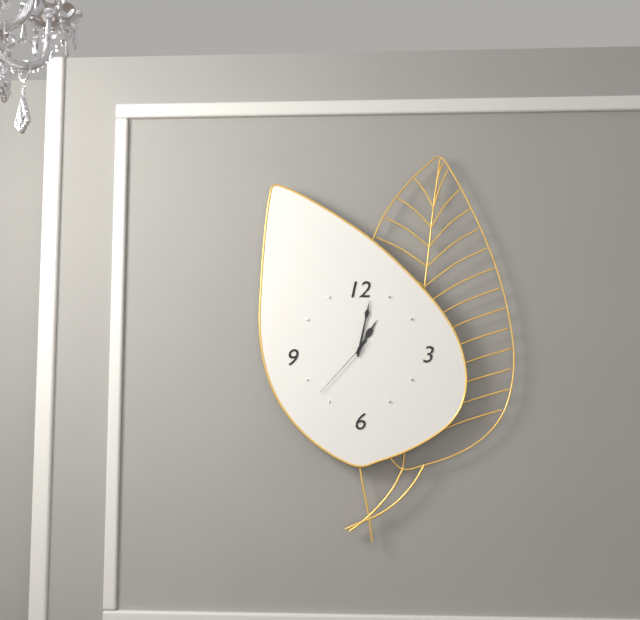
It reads 1:02:37
